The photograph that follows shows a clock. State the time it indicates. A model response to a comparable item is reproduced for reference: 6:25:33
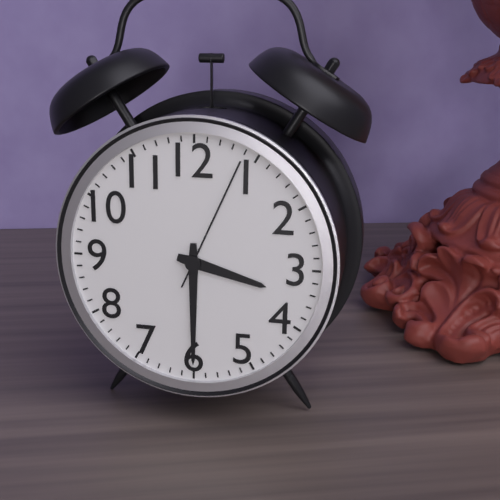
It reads 3:30:04
